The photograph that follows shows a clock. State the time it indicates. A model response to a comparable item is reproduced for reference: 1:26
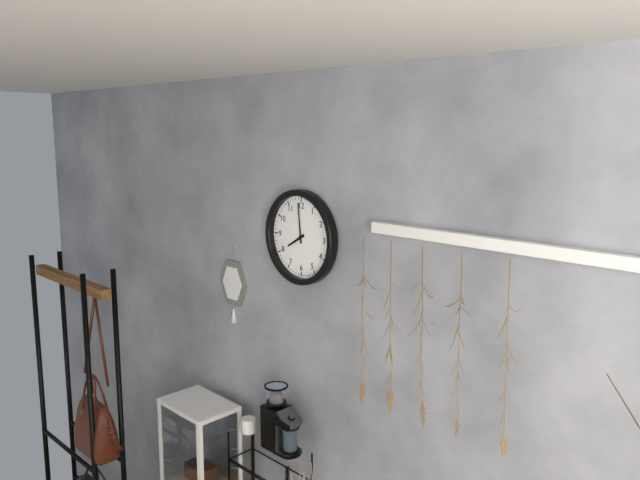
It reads 7:59
